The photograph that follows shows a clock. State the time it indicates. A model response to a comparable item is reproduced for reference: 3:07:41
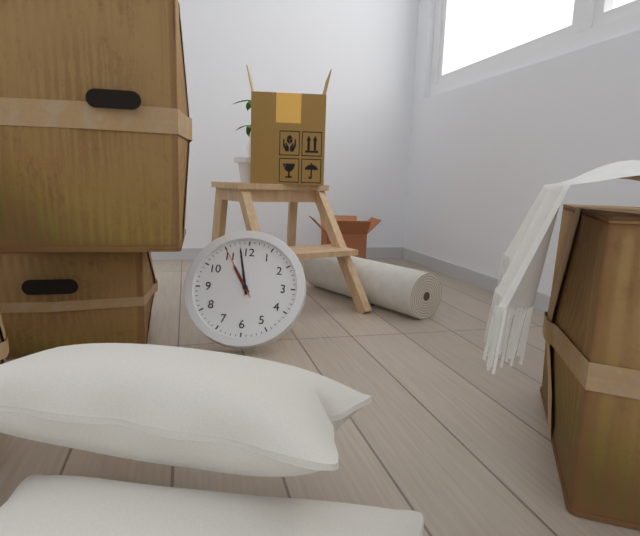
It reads 10:58:55
